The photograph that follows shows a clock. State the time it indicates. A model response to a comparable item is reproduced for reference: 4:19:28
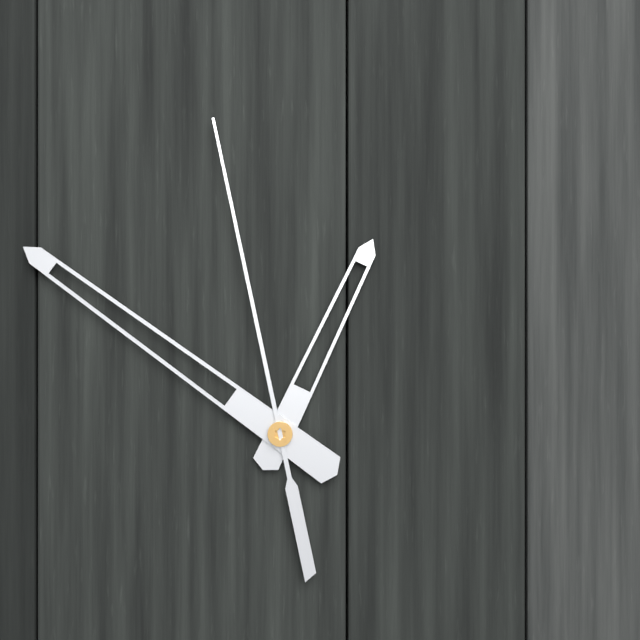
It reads 12:51:58
